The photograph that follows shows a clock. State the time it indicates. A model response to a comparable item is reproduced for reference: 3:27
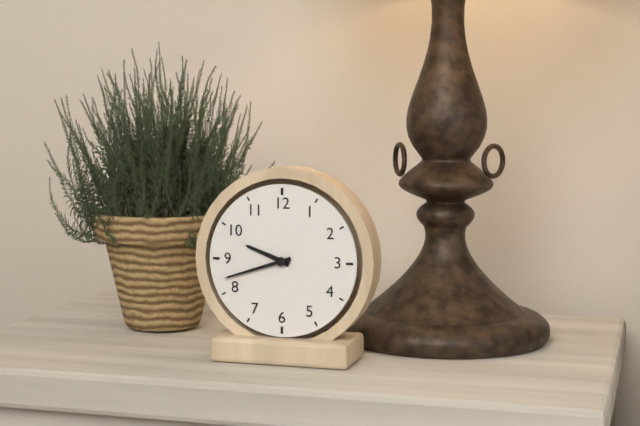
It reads 9:42
